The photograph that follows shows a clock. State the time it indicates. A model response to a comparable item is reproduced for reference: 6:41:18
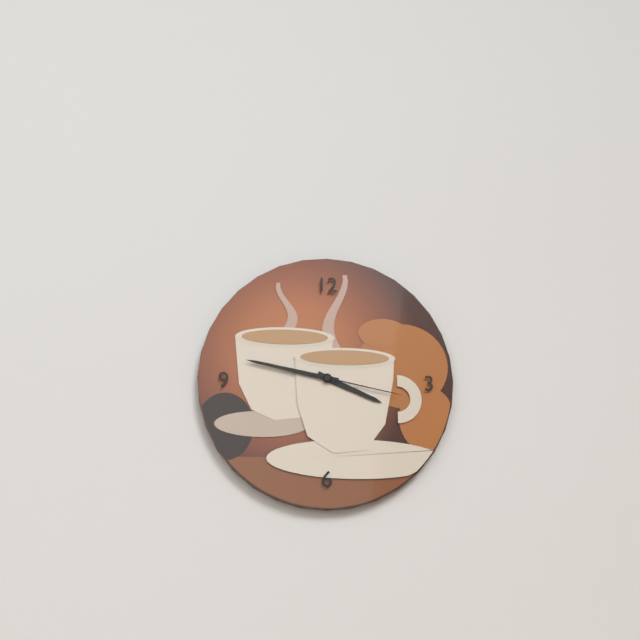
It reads 3:47:17
